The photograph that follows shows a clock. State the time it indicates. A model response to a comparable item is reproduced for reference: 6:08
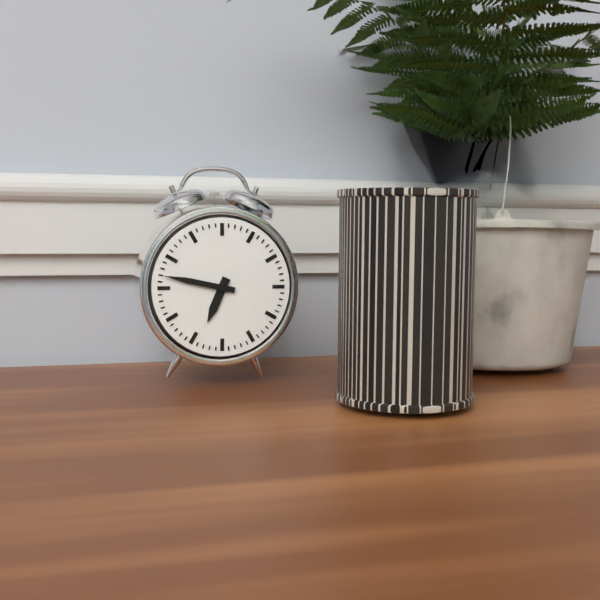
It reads 6:47
